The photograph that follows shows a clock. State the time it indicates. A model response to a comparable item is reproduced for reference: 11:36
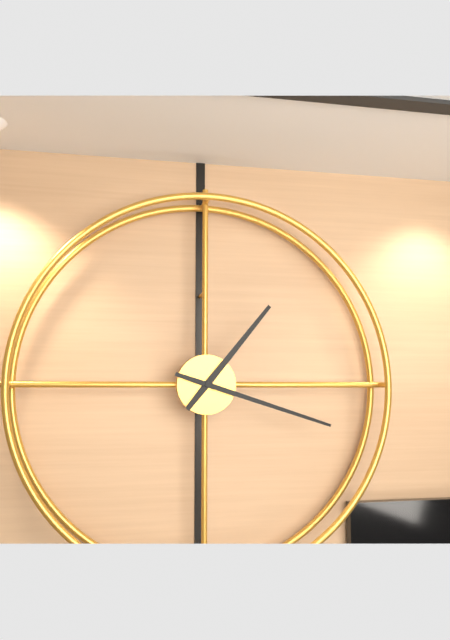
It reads 1:18
